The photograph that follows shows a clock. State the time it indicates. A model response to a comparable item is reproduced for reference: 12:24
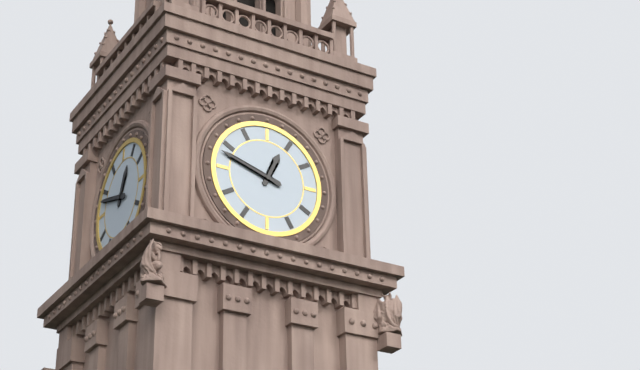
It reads 12:48
